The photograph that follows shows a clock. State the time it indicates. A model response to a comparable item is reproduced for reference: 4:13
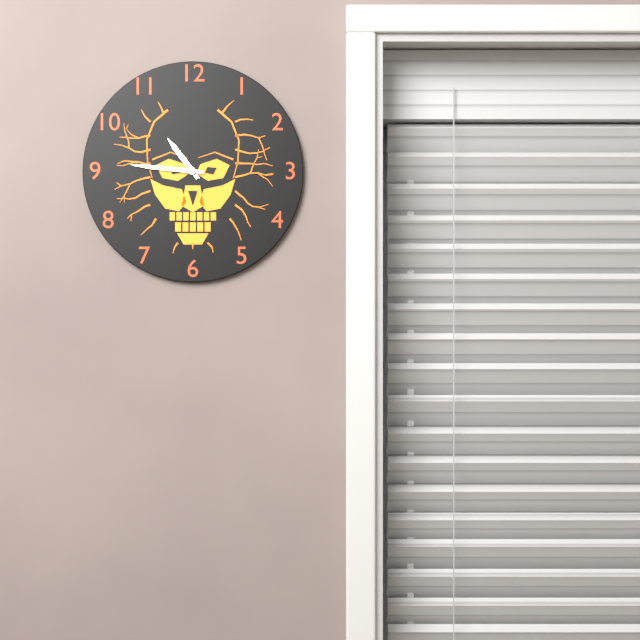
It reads 10:46
